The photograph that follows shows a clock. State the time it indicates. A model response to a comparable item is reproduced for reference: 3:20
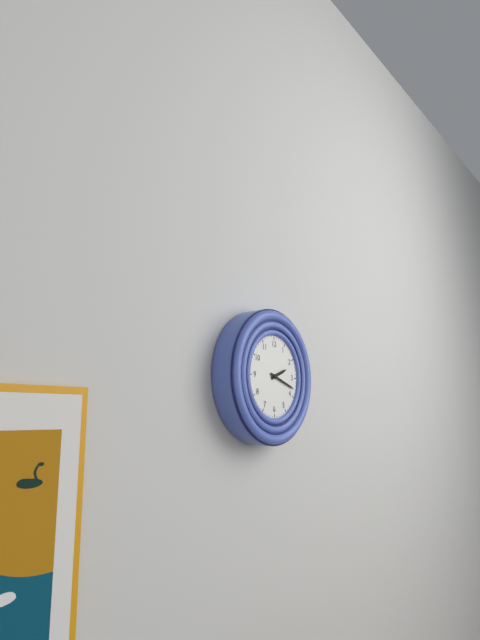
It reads 2:18
